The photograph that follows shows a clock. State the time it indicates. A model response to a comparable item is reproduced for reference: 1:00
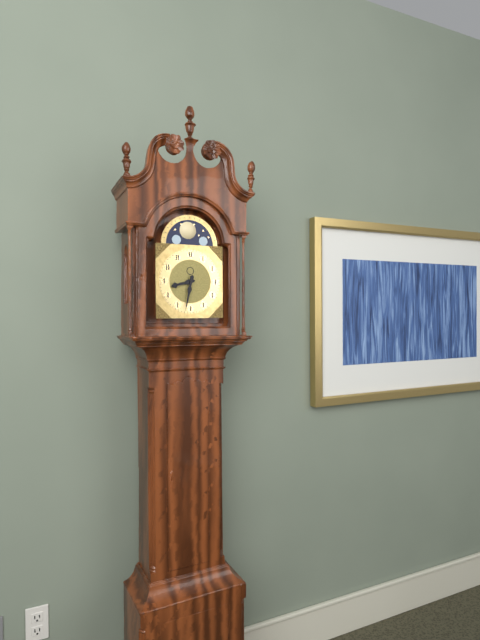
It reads 8:32
